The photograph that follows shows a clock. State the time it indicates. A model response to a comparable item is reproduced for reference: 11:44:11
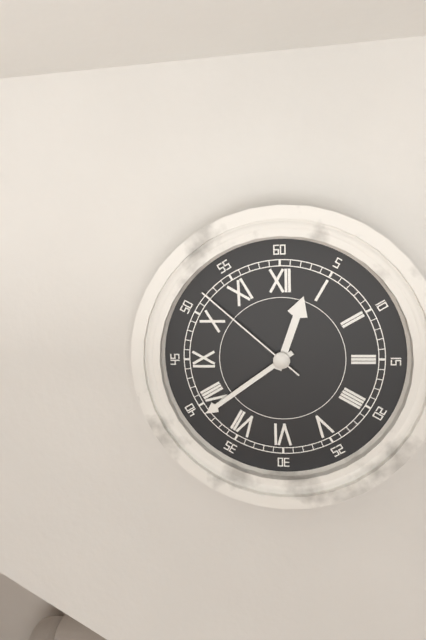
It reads 12:39:52
